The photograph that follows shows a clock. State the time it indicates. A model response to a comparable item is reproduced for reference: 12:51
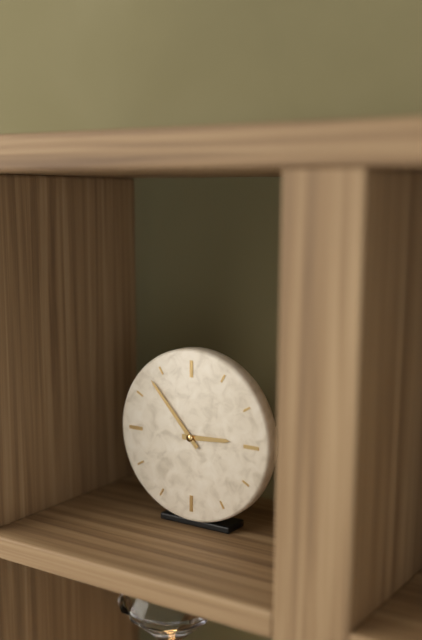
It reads 2:53
